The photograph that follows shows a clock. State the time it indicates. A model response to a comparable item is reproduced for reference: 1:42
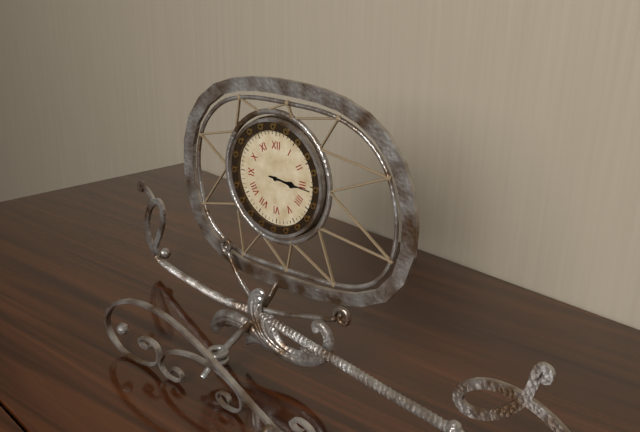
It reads 3:16
